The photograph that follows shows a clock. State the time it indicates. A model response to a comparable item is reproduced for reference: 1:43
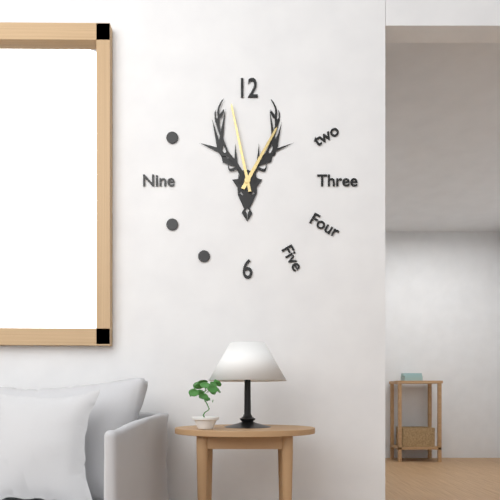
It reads 12:58
